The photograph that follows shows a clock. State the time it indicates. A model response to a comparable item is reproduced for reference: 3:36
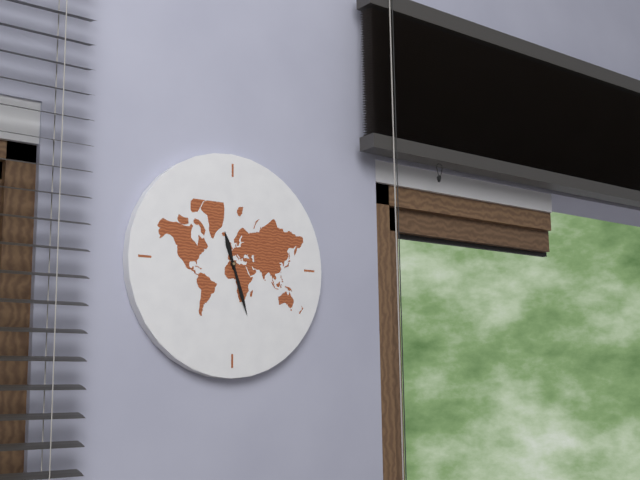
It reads 11:27
